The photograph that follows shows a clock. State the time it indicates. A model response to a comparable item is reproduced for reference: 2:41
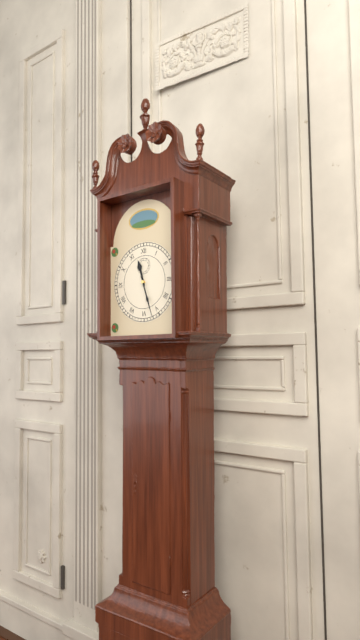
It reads 11:27
